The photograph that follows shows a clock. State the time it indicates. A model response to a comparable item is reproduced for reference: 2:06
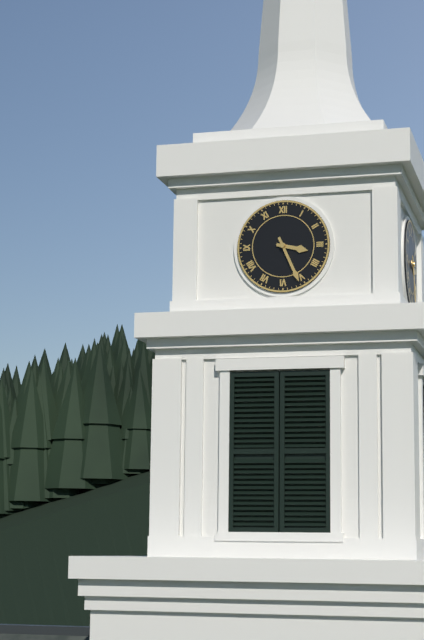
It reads 3:26
